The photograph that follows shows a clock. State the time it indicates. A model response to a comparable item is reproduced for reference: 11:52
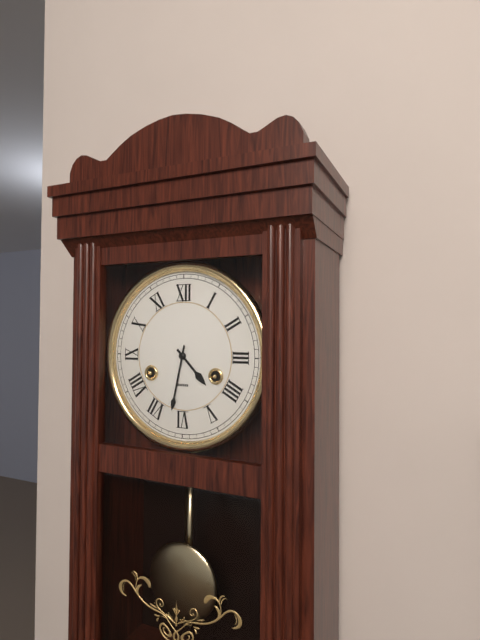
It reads 4:32
